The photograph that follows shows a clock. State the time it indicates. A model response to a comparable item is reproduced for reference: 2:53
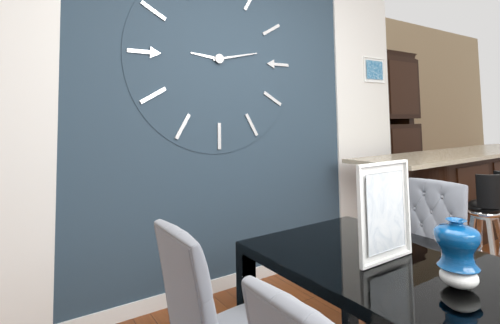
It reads 9:13
